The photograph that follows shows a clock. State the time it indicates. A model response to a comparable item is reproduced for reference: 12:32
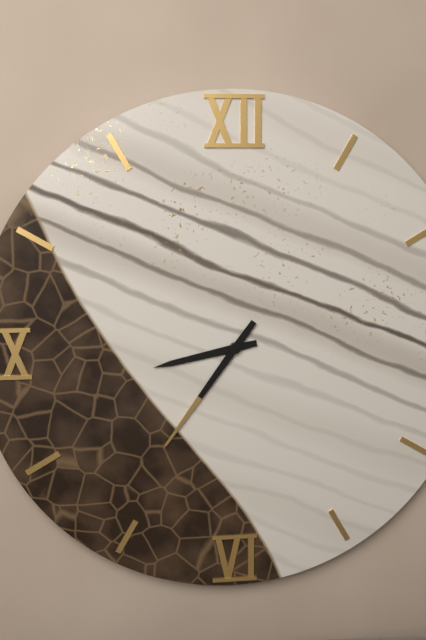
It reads 8:36
